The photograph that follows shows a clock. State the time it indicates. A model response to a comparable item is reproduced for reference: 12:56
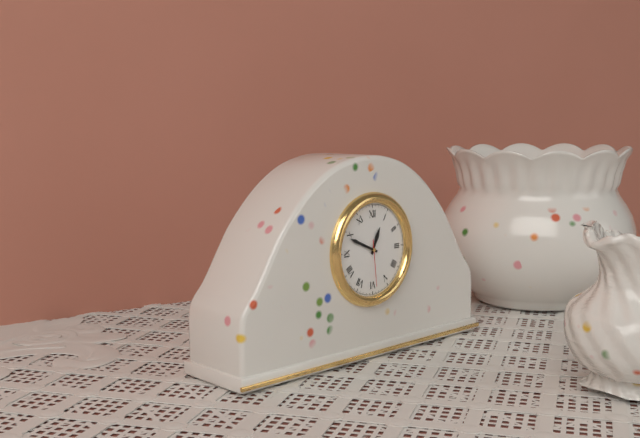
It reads 12:49
